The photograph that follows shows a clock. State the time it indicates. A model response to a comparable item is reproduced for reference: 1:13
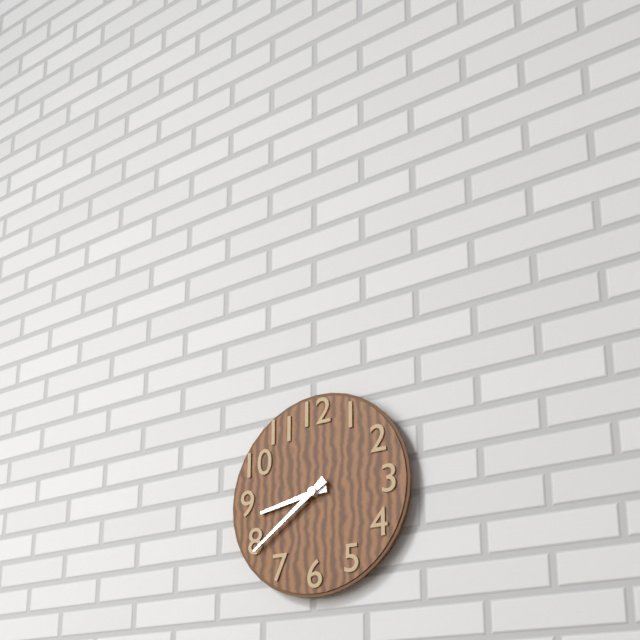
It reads 8:39
